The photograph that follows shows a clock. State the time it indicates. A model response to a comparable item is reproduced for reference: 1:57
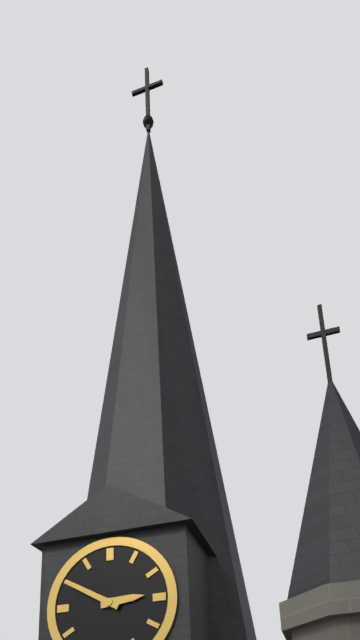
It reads 2:50
